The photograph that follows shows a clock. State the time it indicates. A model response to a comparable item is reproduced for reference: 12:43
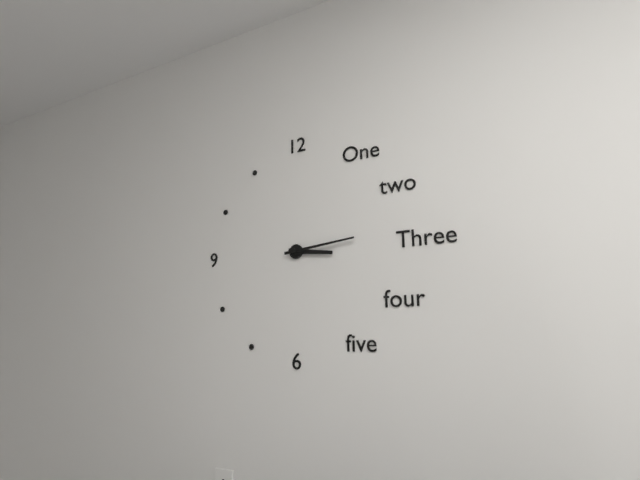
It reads 3:14
